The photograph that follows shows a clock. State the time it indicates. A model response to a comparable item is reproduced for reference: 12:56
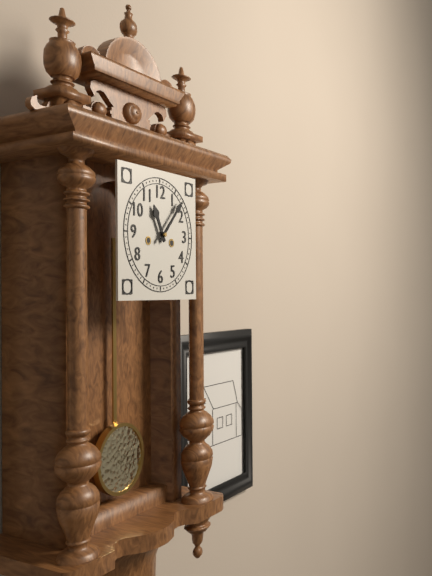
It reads 11:07
